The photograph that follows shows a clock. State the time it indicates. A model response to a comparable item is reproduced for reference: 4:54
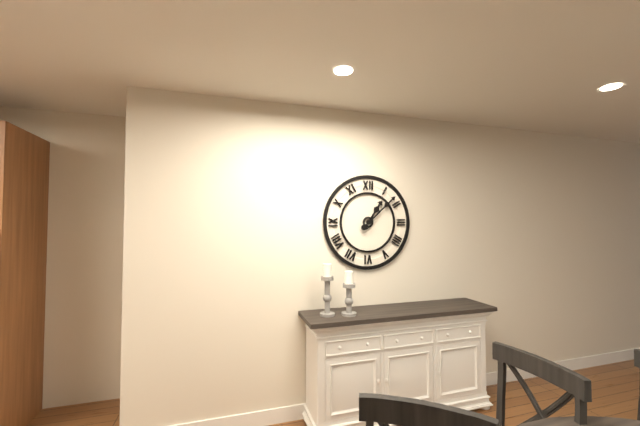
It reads 1:08
